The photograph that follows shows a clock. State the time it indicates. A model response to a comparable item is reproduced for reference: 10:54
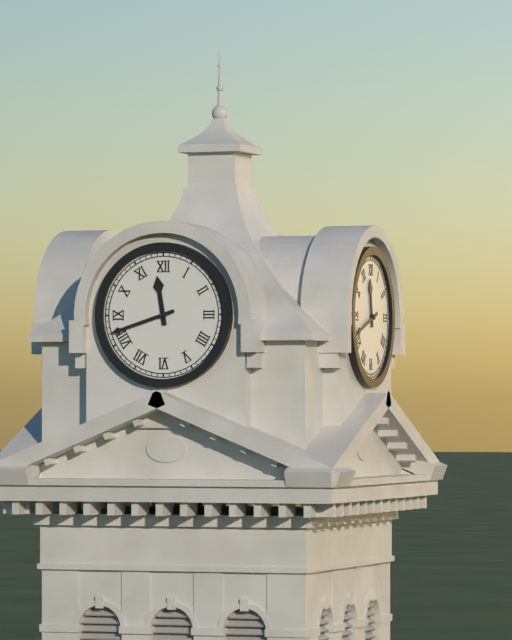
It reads 11:42
